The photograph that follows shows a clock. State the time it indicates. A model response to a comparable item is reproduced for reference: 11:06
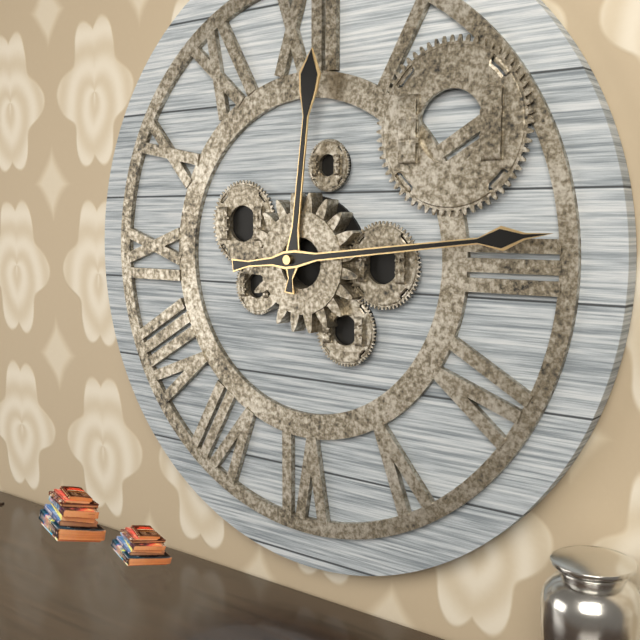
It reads 12:14
